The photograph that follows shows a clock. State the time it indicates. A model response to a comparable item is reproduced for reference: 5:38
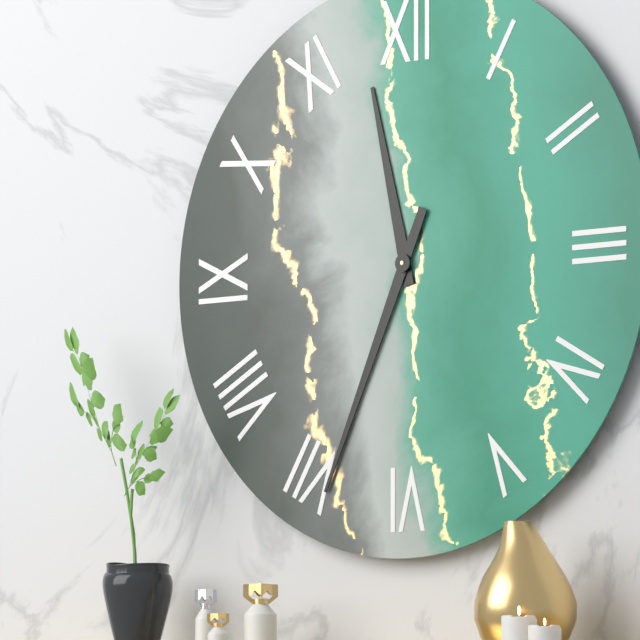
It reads 11:34
